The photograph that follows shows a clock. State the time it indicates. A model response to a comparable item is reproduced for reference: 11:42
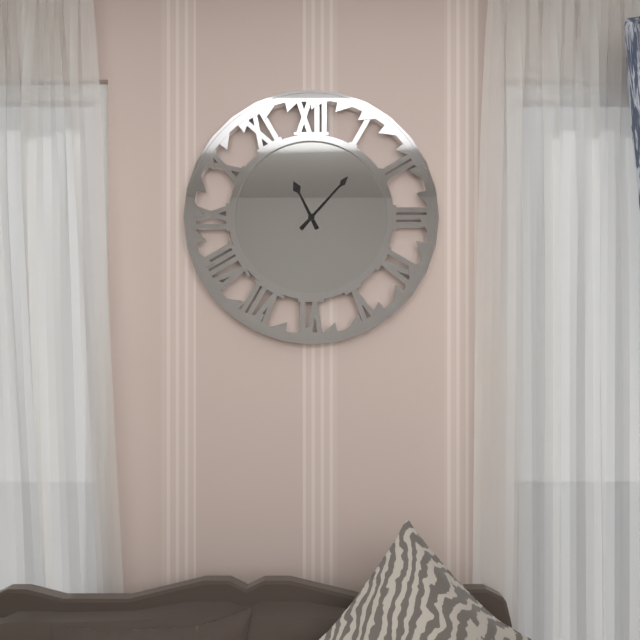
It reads 11:07
